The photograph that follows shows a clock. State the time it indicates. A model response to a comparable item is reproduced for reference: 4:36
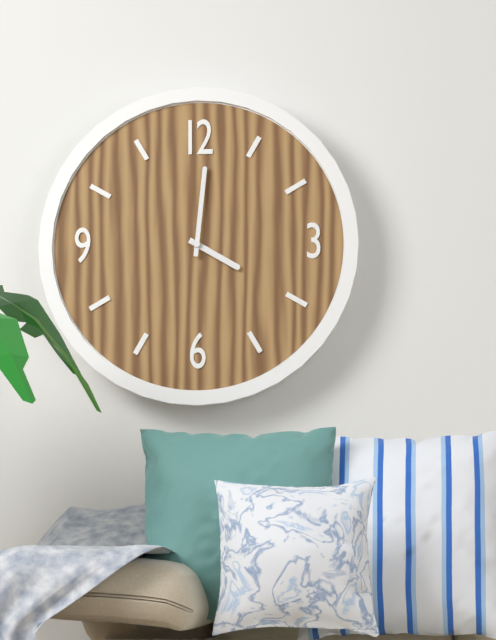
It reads 4:01
